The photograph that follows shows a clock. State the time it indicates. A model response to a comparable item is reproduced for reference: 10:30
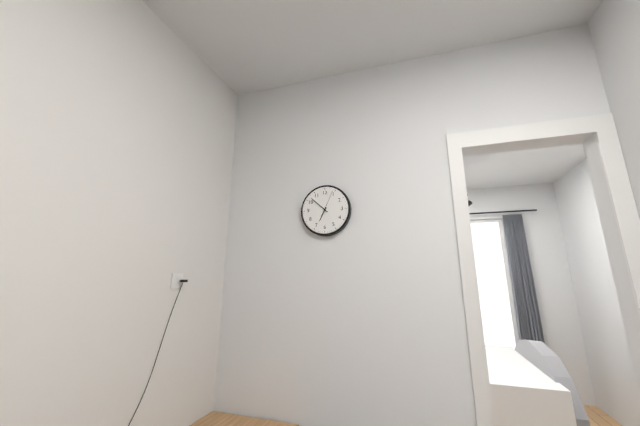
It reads 6:52
